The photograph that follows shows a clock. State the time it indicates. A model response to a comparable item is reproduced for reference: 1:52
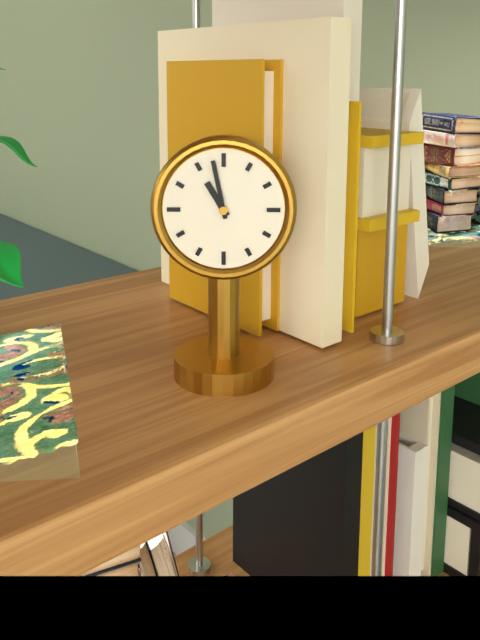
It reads 10:58
